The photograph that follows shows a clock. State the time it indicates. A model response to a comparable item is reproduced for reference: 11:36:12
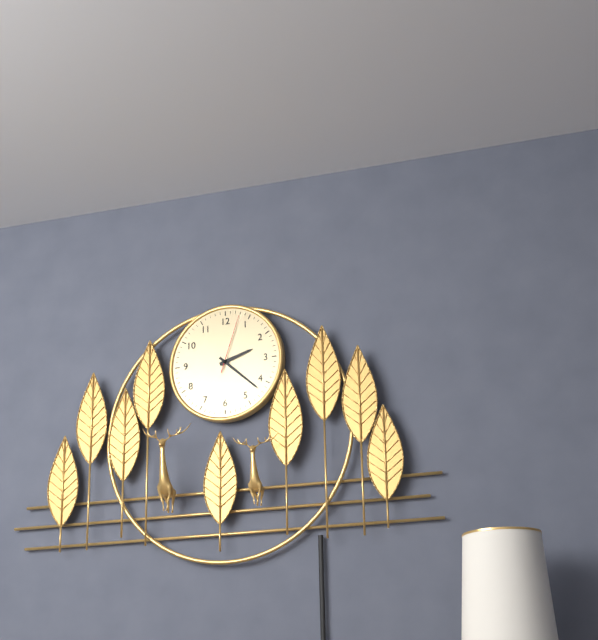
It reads 2:22:03
